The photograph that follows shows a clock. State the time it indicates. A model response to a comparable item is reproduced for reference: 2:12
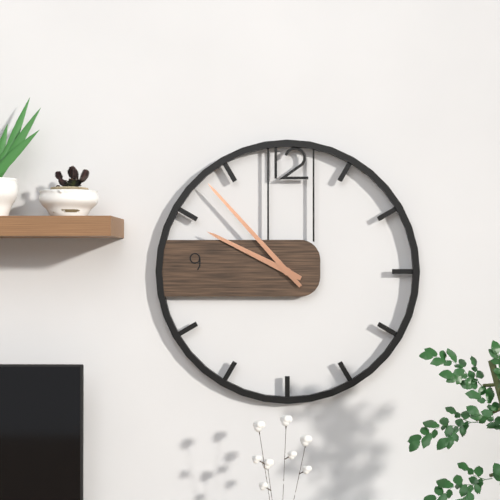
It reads 9:53
